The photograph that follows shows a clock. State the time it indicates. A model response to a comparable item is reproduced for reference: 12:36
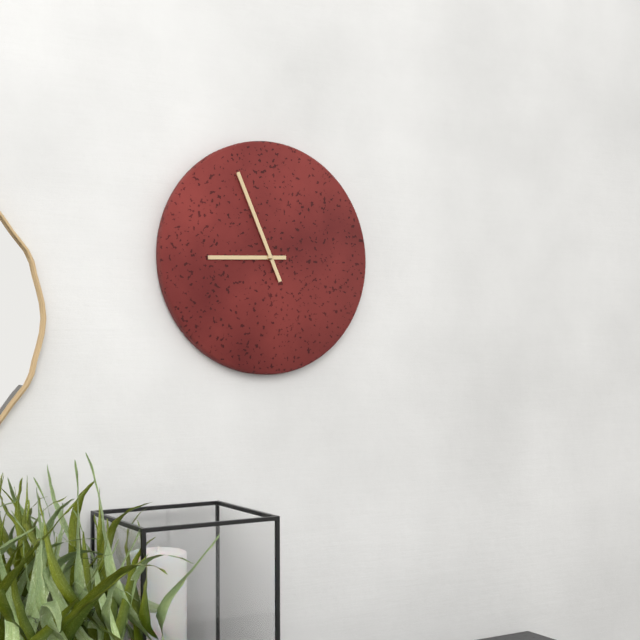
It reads 8:56
